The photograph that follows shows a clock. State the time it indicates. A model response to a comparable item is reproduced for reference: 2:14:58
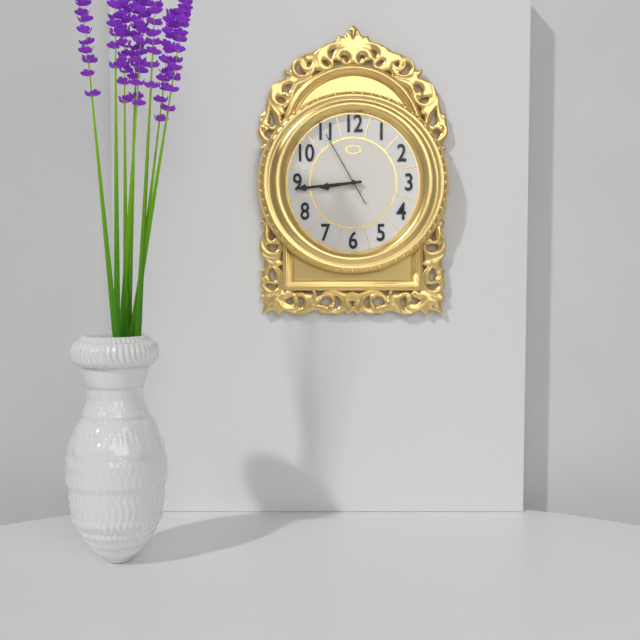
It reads 8:44:55
